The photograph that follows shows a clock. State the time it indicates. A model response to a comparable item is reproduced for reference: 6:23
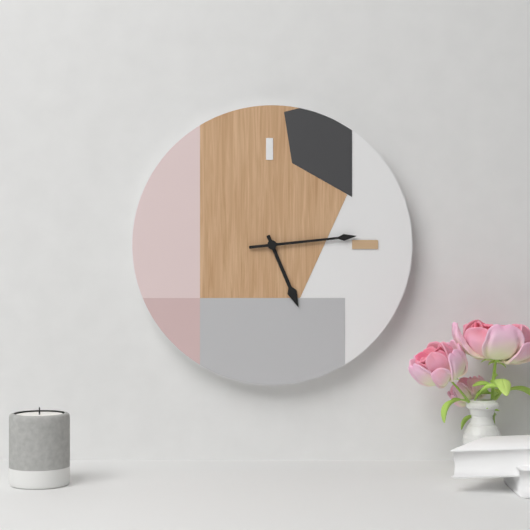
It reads 5:14
